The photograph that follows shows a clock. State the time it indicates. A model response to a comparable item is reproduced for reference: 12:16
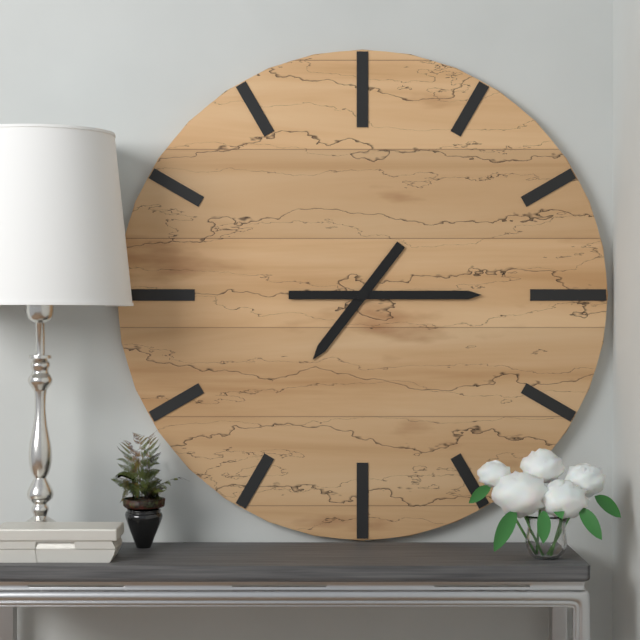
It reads 7:15
